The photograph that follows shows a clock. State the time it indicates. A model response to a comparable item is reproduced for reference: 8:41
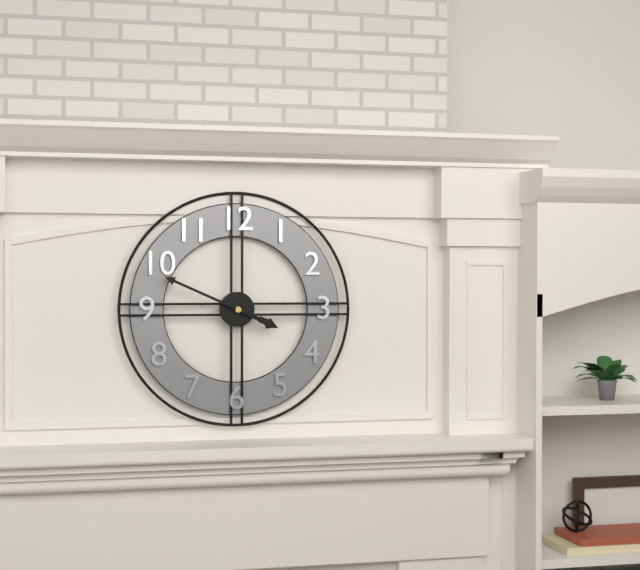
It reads 3:49
